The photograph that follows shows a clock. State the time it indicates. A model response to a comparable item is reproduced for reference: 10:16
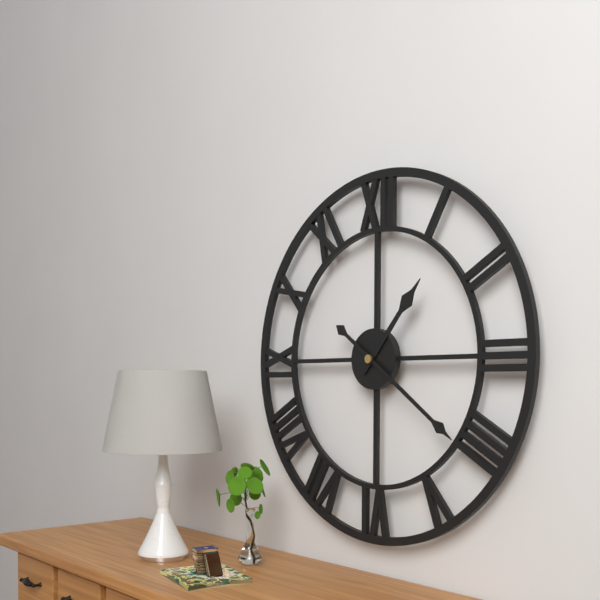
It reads 1:21
